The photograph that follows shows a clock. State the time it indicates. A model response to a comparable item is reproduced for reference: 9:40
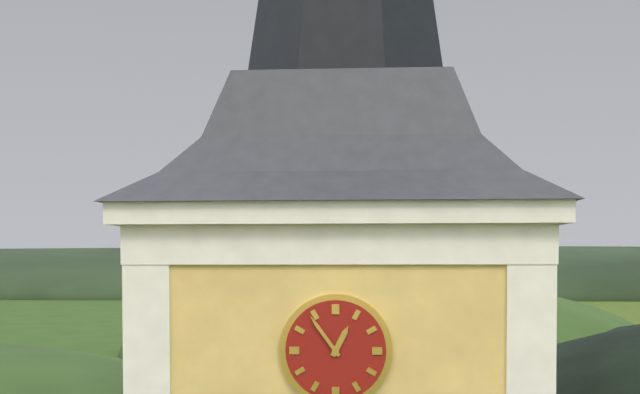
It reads 12:54
